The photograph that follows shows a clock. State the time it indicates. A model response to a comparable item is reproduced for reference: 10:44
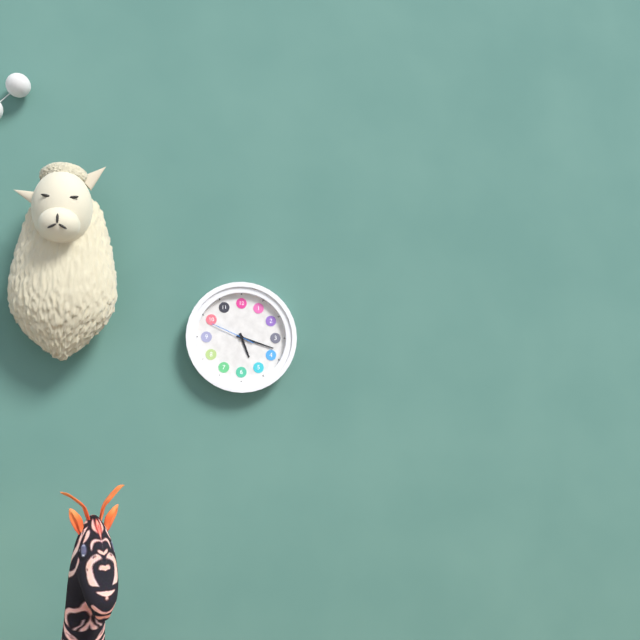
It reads 5:18
